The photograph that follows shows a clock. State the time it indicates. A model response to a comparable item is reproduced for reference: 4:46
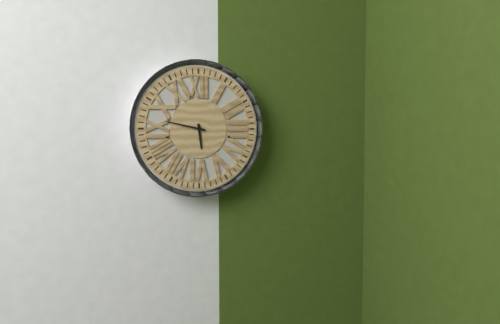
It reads 5:47
